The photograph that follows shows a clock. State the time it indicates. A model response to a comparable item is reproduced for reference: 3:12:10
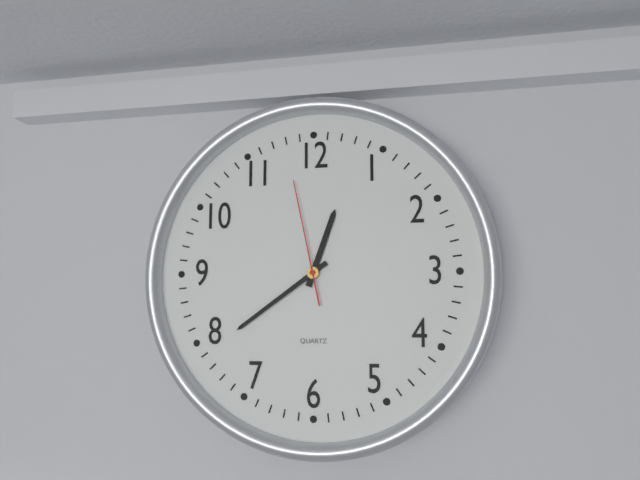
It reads 12:39:58
